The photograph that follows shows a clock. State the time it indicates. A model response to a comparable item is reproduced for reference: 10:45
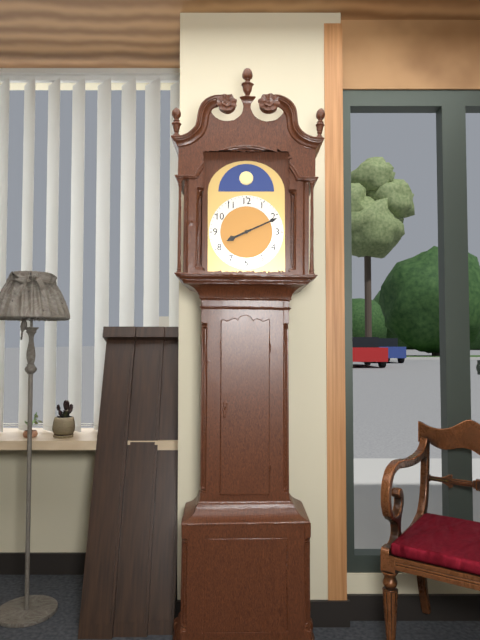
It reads 8:11
